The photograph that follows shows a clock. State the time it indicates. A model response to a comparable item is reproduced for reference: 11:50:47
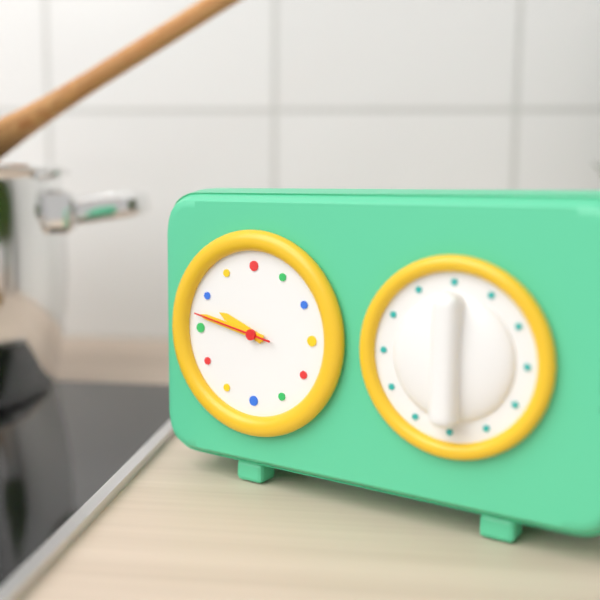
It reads 9:47:47
